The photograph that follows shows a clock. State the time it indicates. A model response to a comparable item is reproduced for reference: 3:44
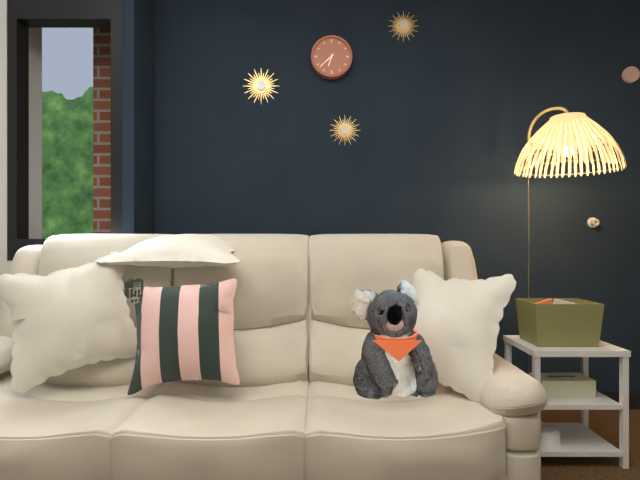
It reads 6:38
